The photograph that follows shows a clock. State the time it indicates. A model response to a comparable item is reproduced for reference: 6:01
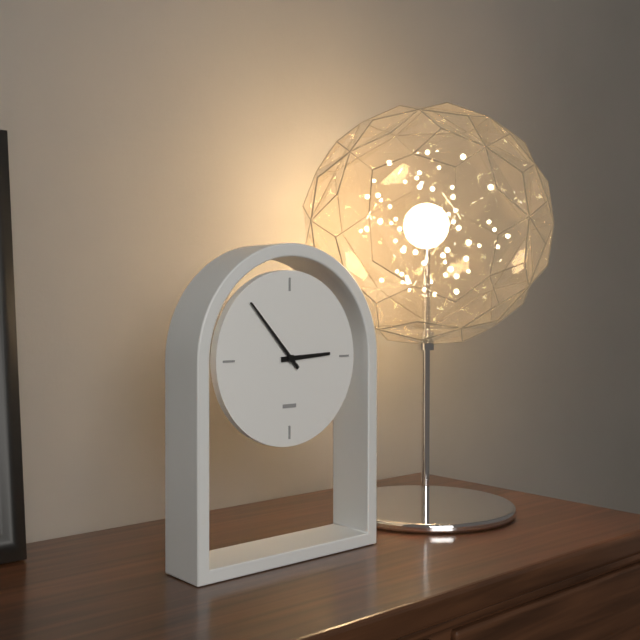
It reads 2:53
